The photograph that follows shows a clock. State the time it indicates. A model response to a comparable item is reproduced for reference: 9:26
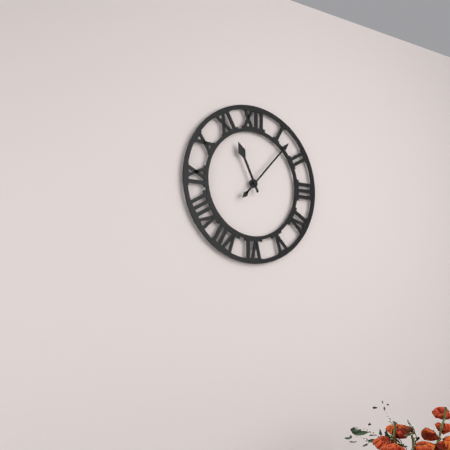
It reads 11:07
